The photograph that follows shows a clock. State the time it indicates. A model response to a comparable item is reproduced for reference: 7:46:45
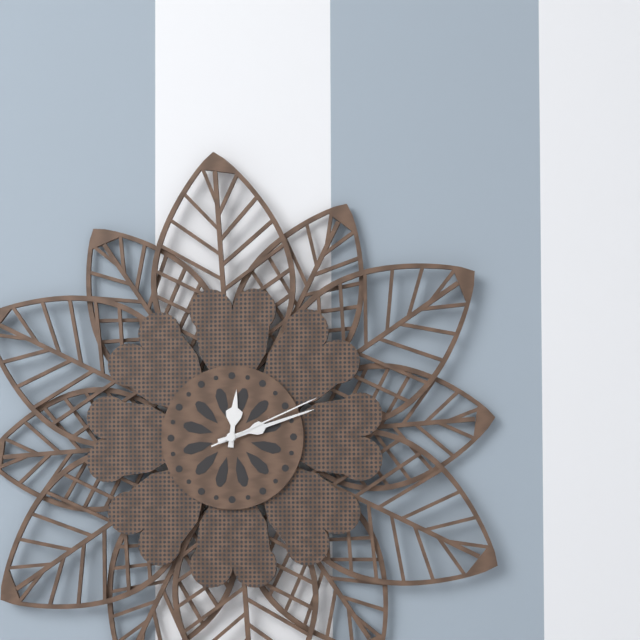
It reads 12:12:11
